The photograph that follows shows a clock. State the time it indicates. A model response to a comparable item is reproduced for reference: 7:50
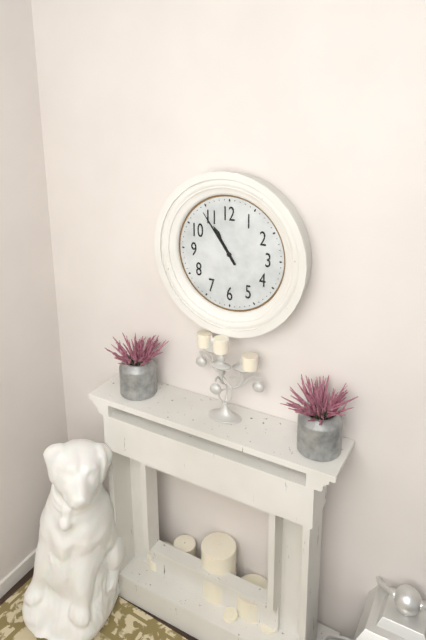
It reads 10:54
